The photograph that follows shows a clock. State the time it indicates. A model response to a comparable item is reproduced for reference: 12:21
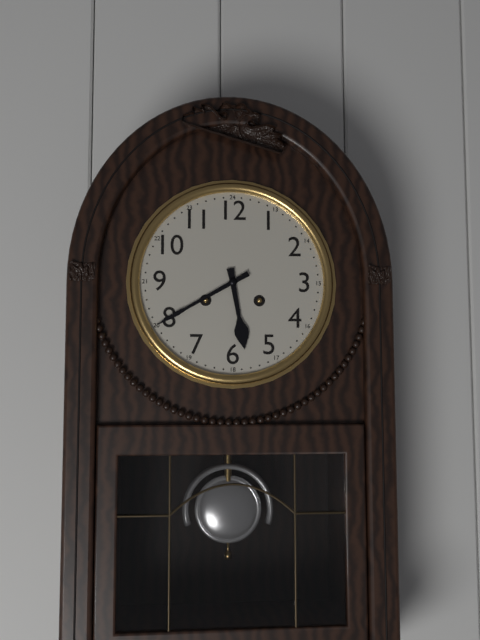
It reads 5:40
